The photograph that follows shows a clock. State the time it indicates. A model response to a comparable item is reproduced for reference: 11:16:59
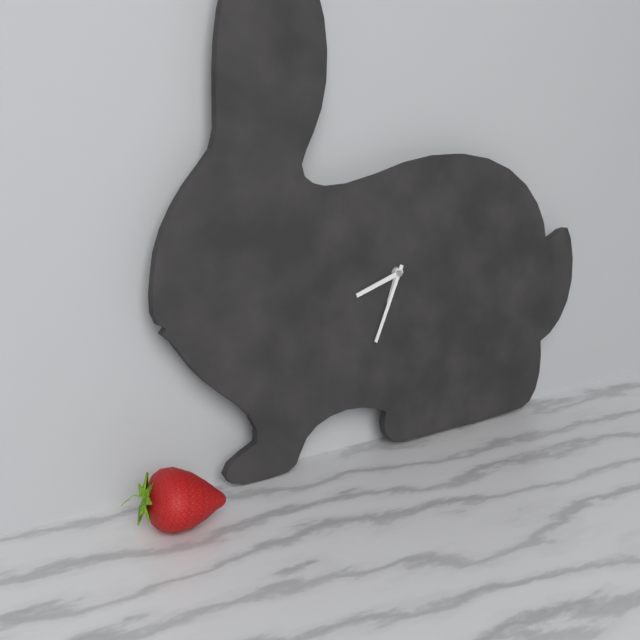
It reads 6:42:34
